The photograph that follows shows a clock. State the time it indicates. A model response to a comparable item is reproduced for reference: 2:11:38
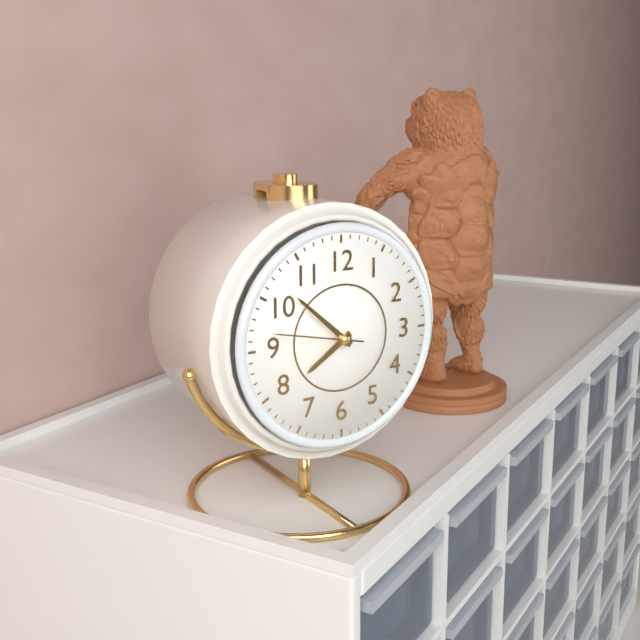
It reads 7:52:47
